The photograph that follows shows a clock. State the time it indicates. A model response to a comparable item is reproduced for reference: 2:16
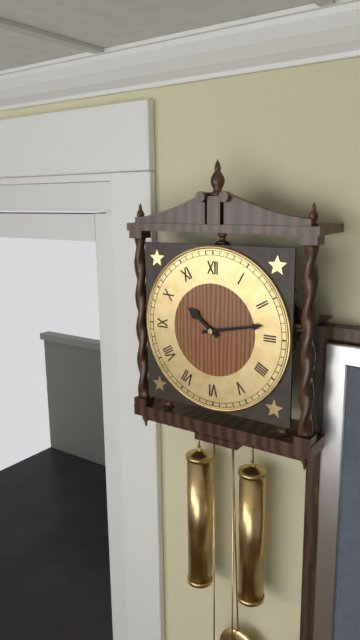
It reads 10:13
